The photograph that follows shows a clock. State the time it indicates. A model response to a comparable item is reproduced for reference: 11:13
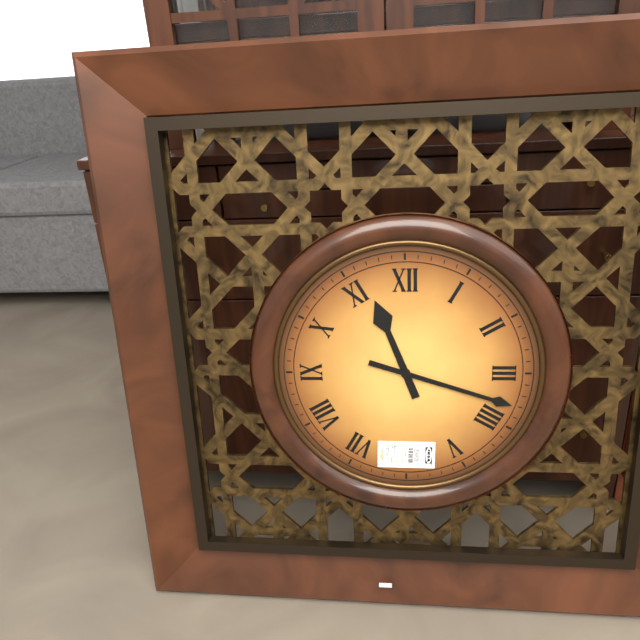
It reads 11:18
